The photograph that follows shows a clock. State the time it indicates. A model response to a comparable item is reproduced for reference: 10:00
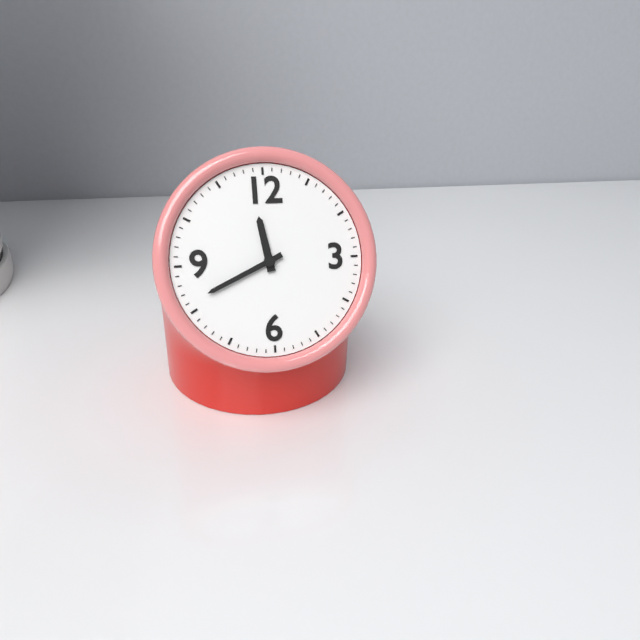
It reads 11:41
